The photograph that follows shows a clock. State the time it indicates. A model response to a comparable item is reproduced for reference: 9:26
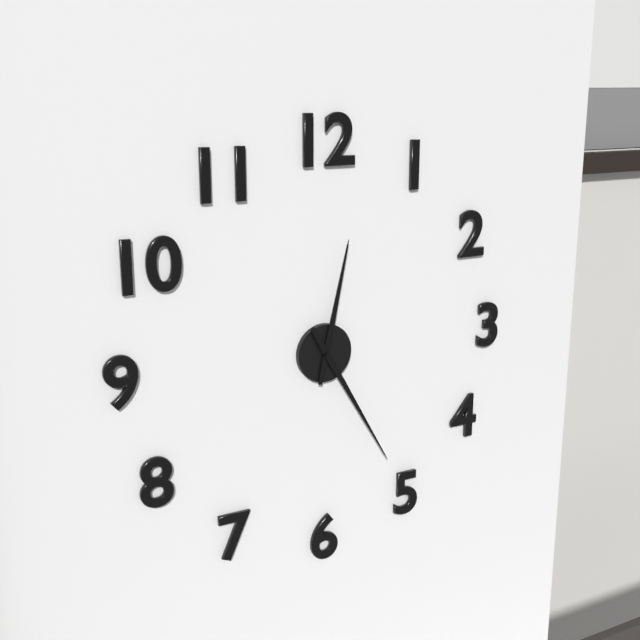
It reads 12:25
